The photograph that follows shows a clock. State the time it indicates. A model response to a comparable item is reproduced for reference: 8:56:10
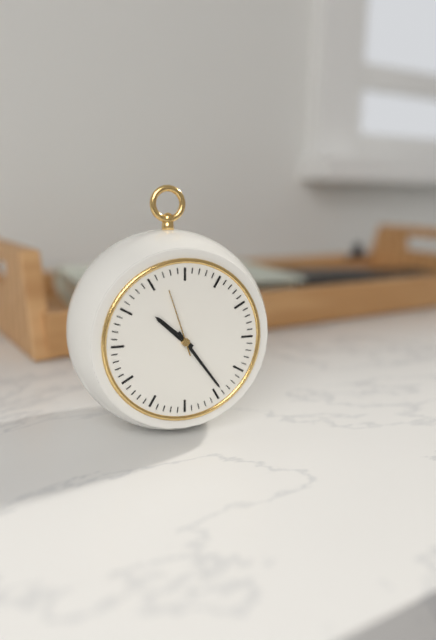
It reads 10:24:57
